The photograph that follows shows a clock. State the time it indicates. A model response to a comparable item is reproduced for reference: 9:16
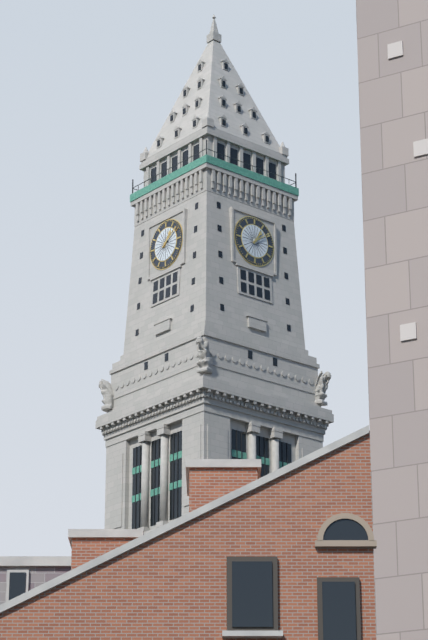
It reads 1:09
